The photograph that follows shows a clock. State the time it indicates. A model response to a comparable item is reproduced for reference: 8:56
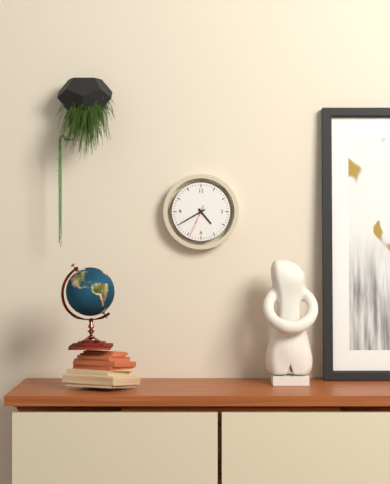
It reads 4:40
